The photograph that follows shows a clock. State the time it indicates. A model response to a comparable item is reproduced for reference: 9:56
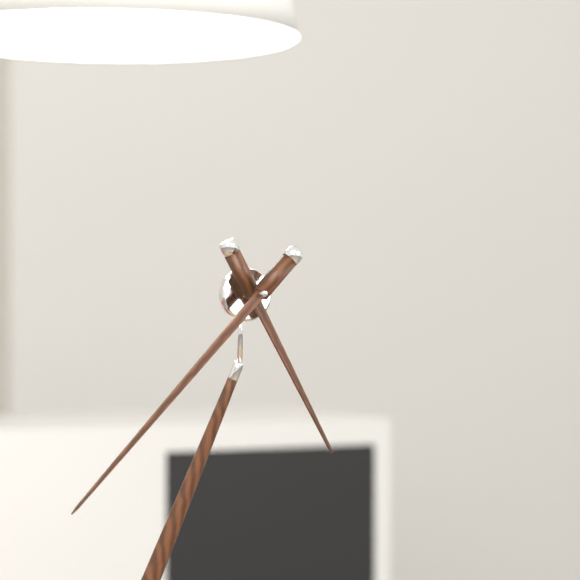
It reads 4:35
